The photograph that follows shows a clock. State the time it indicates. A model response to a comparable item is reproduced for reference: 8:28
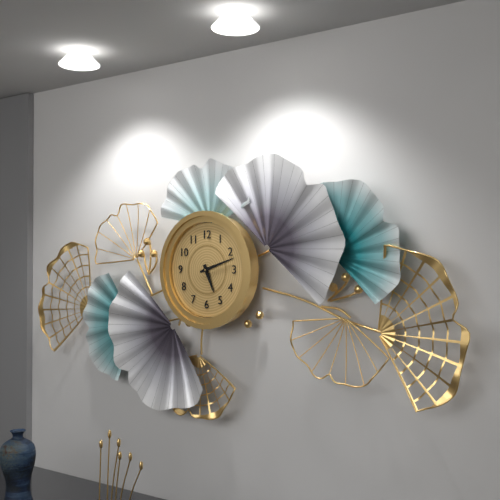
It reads 5:12
